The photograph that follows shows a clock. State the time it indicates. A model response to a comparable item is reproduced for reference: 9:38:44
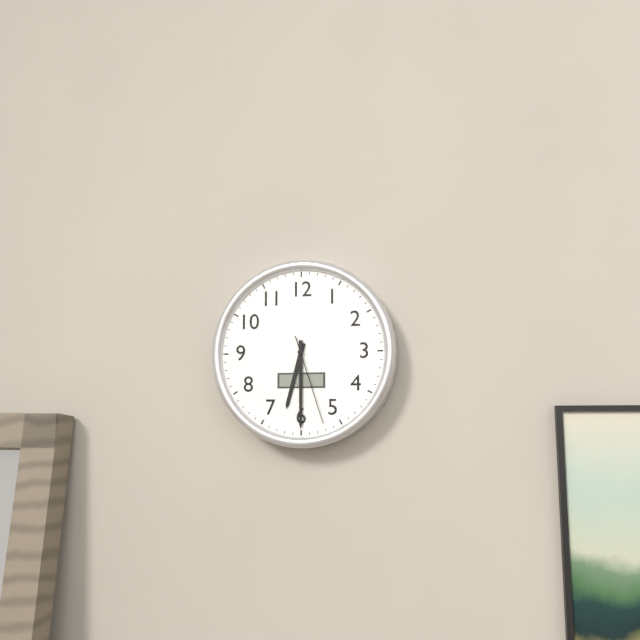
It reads 6:30:27
